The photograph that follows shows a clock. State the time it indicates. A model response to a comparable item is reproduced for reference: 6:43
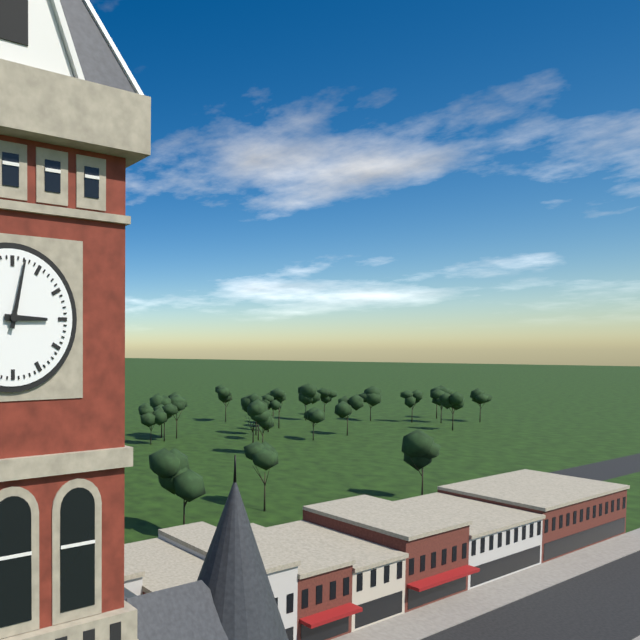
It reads 3:02
